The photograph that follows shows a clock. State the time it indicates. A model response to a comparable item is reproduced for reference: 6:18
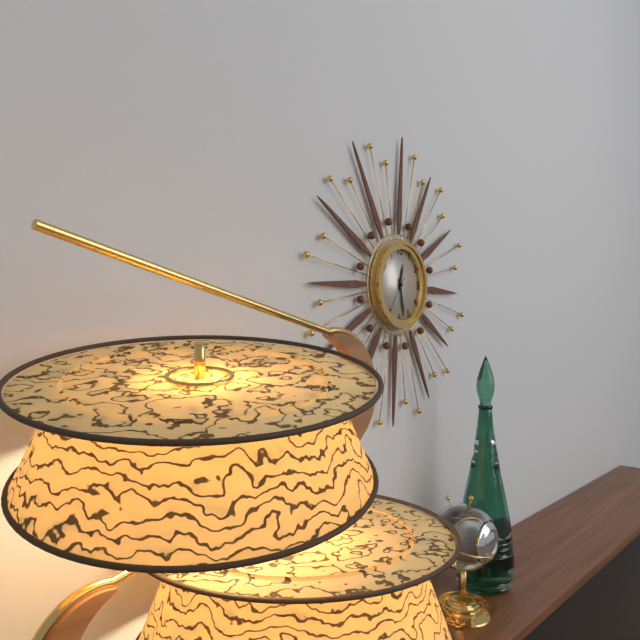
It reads 12:28
